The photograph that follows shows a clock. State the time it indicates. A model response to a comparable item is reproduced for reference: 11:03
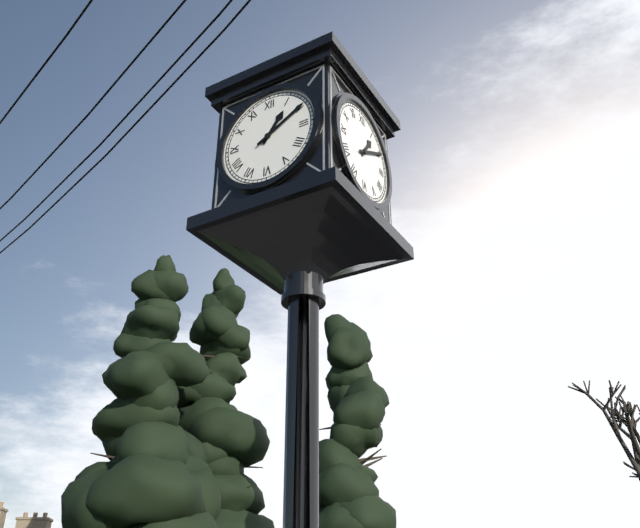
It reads 1:10
